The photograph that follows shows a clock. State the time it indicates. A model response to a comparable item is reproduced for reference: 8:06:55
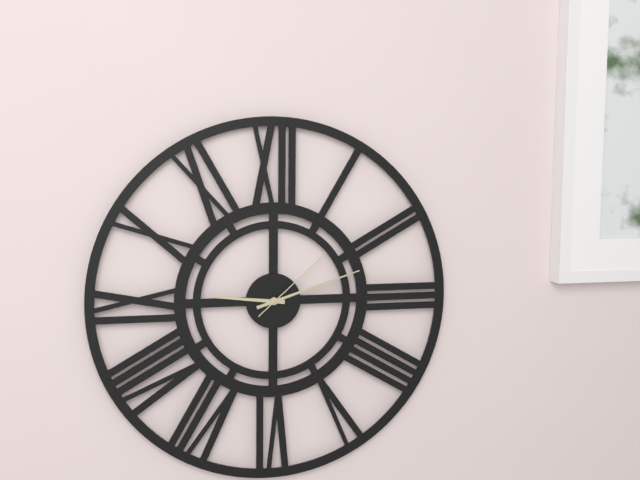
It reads 9:12:08
